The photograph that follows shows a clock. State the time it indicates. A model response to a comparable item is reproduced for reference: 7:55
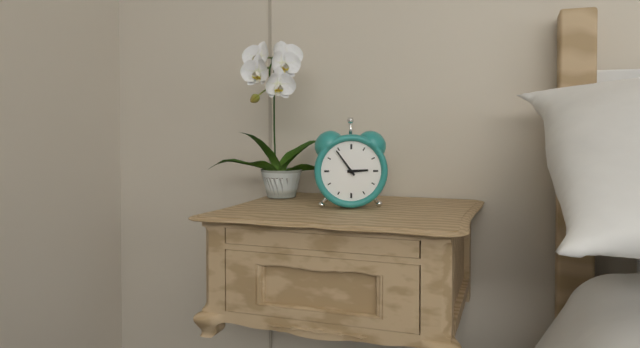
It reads 2:54
